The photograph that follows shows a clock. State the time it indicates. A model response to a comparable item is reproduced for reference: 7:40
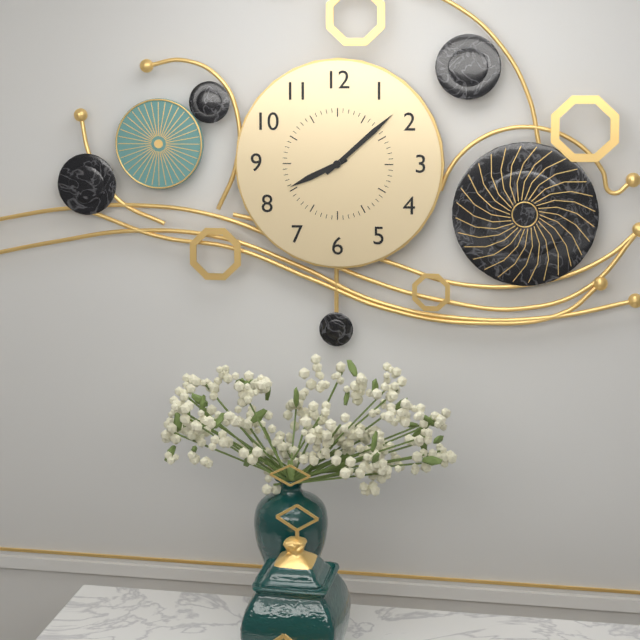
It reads 8:08
